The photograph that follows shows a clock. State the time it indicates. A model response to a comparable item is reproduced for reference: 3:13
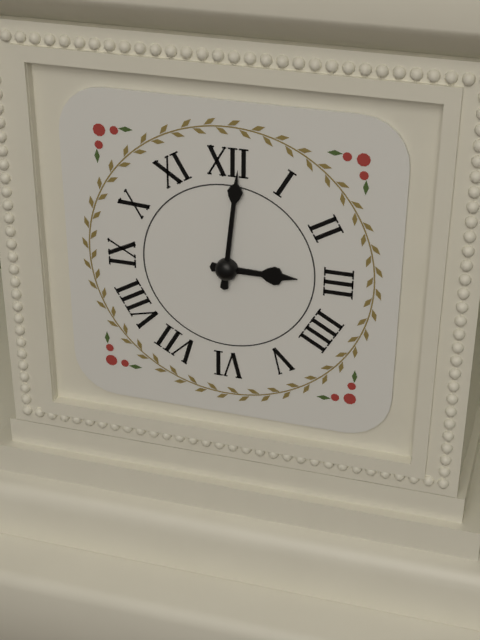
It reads 3:01
